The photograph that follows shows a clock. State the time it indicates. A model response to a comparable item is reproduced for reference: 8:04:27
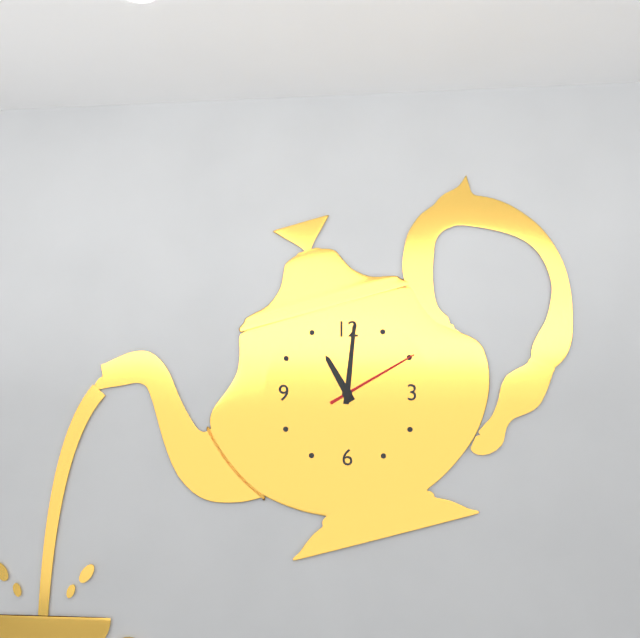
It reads 11:01:10
